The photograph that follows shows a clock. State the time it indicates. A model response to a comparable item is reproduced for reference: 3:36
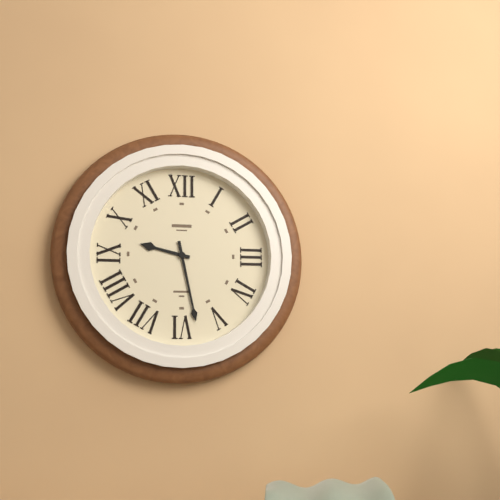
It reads 9:28
